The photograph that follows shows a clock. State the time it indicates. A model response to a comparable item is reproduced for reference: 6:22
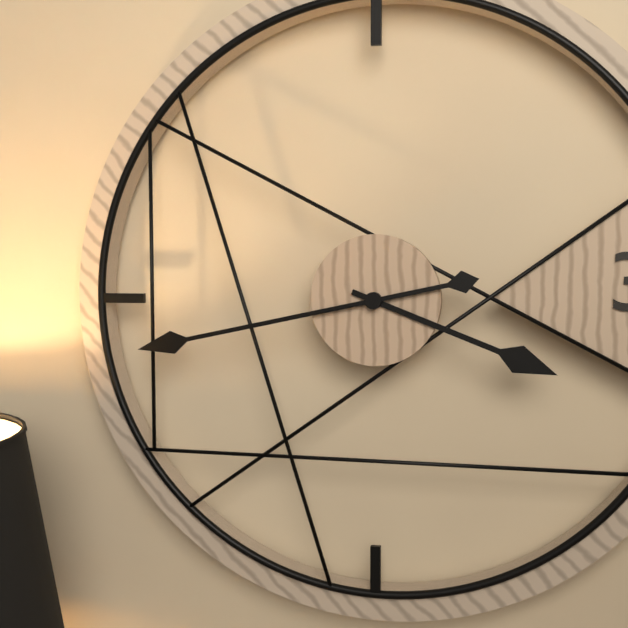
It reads 3:43
